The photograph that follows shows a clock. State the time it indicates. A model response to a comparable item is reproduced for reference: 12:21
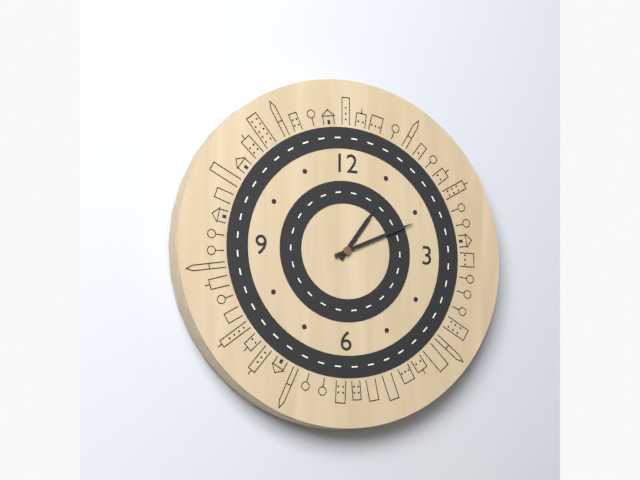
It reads 1:11
